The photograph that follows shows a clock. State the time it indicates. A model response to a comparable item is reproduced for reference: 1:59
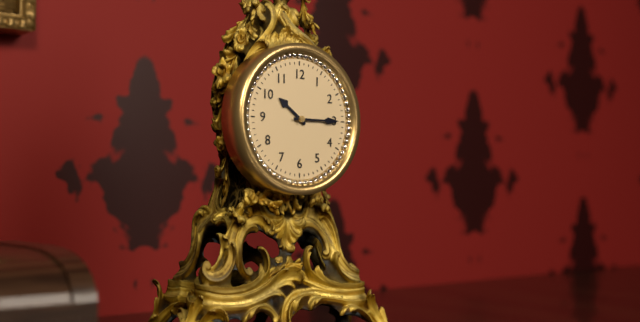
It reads 10:15
